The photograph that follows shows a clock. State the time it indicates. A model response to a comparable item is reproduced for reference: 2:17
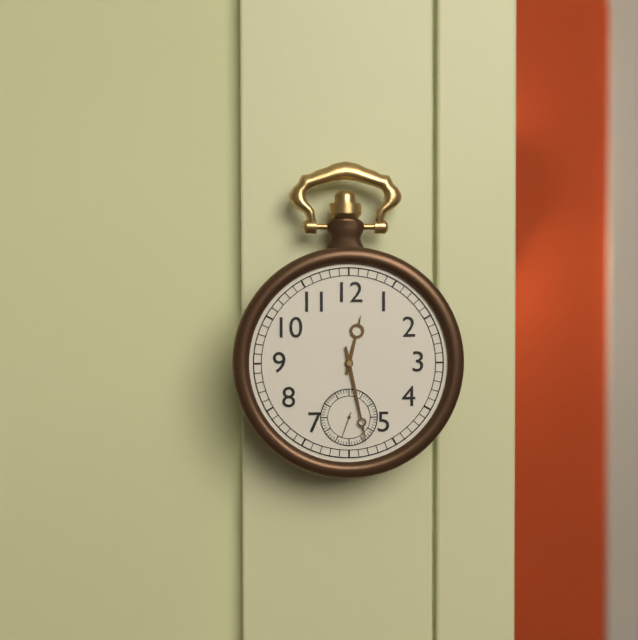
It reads 12:28
